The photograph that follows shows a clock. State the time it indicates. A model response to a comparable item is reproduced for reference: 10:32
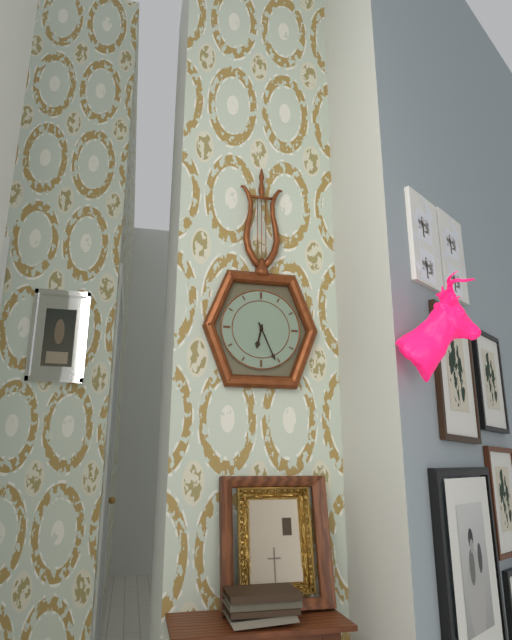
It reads 6:26
